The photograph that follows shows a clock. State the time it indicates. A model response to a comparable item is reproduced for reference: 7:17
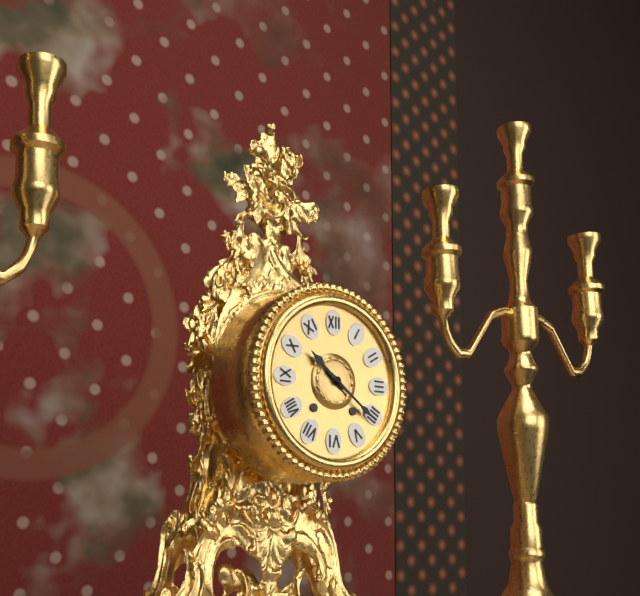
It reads 10:21
